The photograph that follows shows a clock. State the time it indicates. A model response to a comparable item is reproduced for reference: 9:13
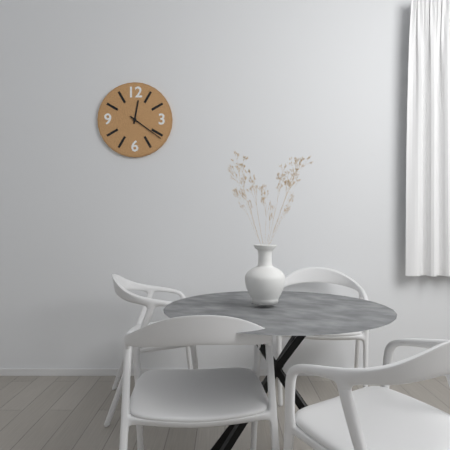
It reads 12:21
